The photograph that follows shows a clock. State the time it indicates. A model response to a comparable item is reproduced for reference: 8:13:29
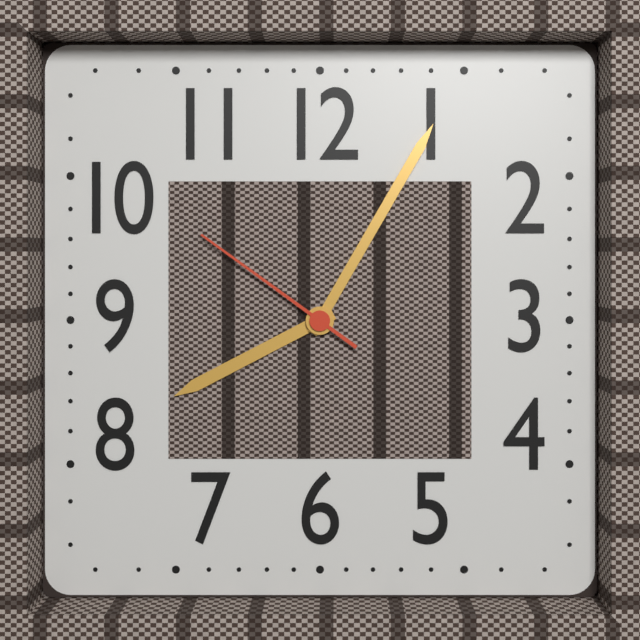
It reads 8:05:51
